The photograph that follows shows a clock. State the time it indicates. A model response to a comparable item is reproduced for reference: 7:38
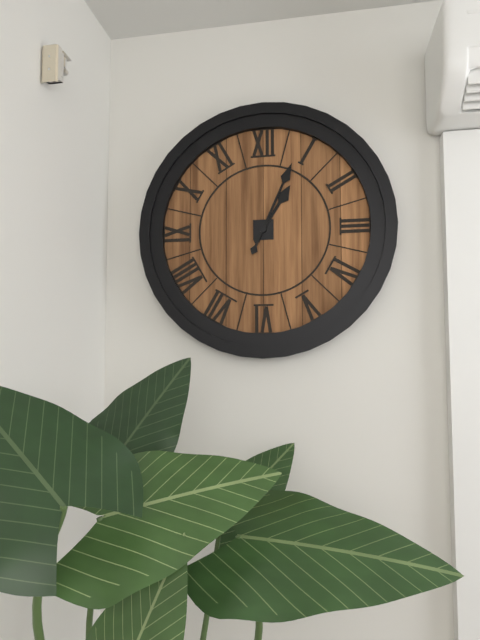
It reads 1:04
